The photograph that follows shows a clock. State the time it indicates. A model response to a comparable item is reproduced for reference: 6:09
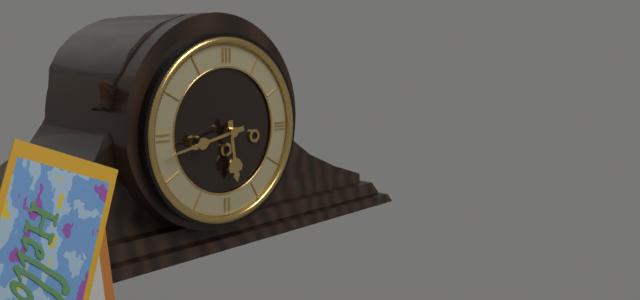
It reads 5:43
